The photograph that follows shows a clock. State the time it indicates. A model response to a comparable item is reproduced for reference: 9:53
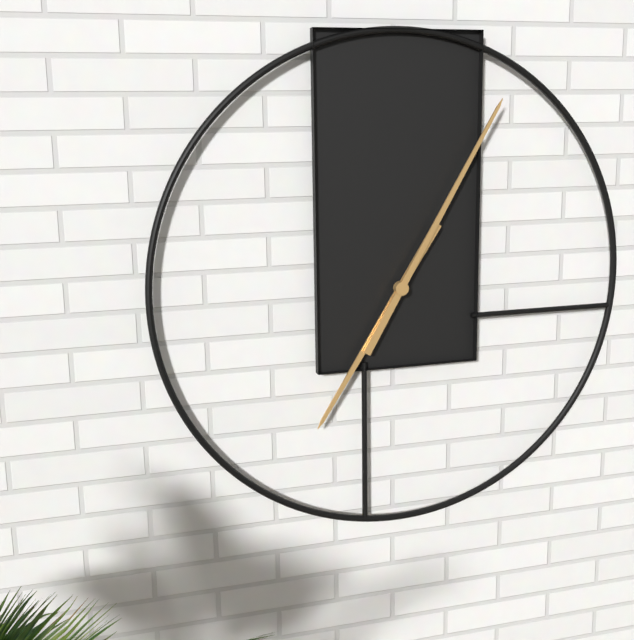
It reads 7:05
